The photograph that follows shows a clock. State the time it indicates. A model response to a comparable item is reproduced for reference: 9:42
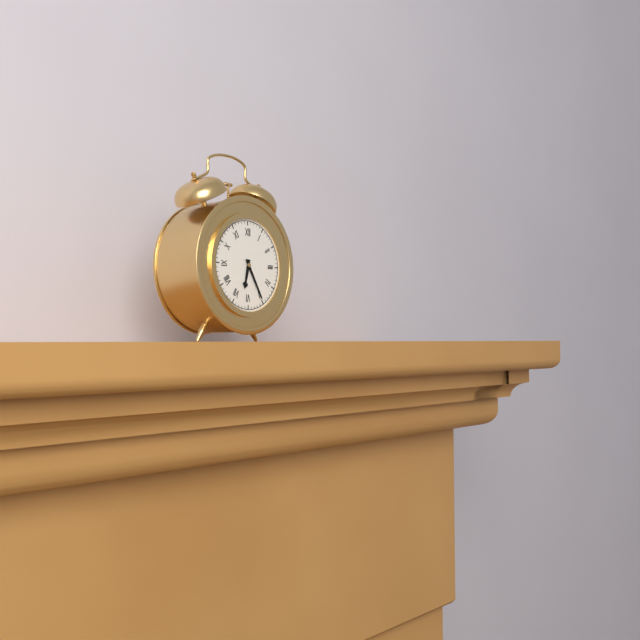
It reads 6:25
